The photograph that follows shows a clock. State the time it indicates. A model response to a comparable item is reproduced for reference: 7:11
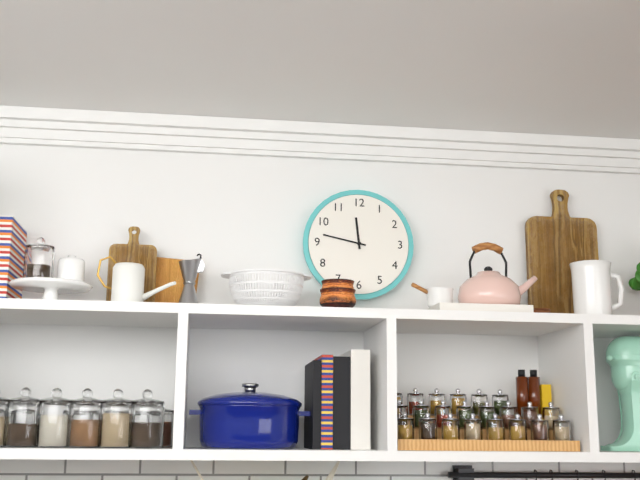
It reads 11:47
